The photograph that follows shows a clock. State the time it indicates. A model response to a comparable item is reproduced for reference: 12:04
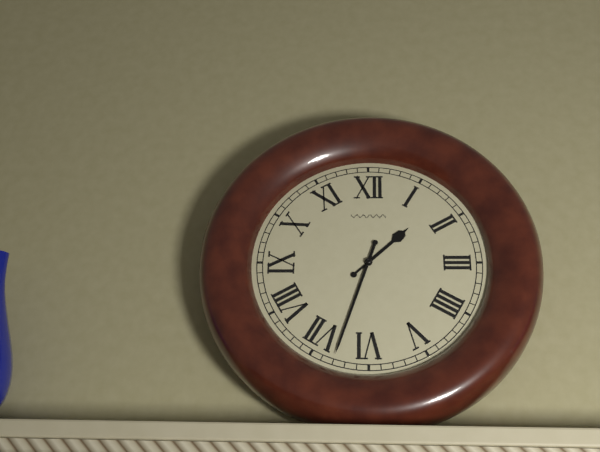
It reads 1:33
